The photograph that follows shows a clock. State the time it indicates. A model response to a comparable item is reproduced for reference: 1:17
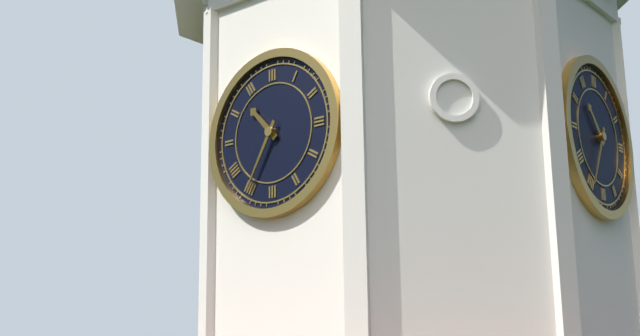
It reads 10:35
